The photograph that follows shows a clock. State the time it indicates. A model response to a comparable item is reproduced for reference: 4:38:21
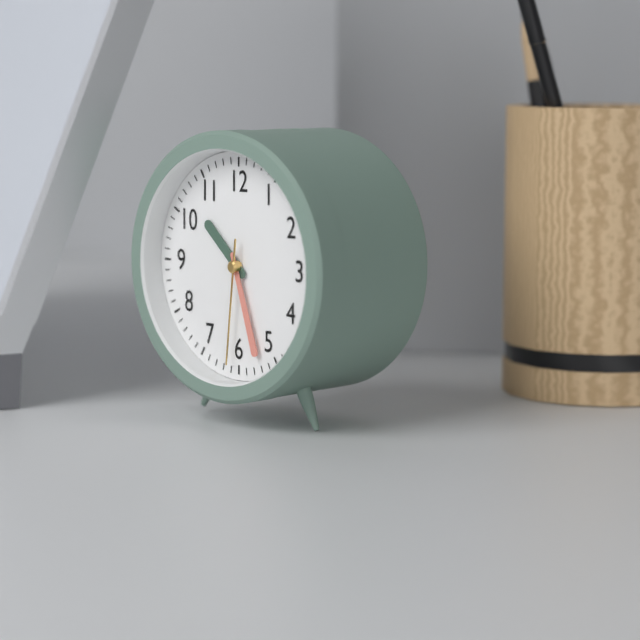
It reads 10:27:31
